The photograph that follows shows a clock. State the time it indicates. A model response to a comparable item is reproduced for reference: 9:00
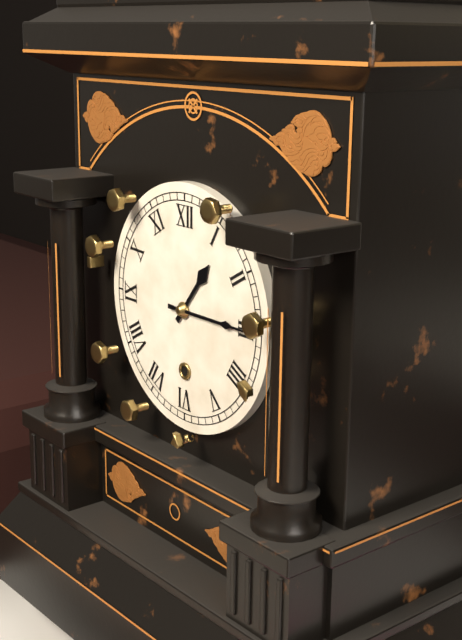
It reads 1:15
